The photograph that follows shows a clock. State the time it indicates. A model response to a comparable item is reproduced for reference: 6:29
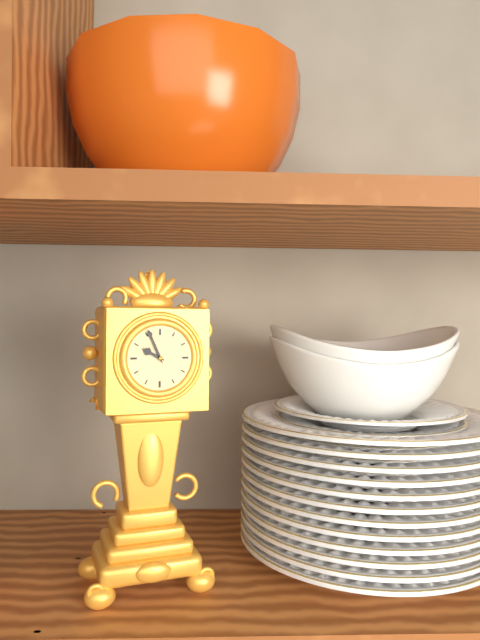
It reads 9:56
